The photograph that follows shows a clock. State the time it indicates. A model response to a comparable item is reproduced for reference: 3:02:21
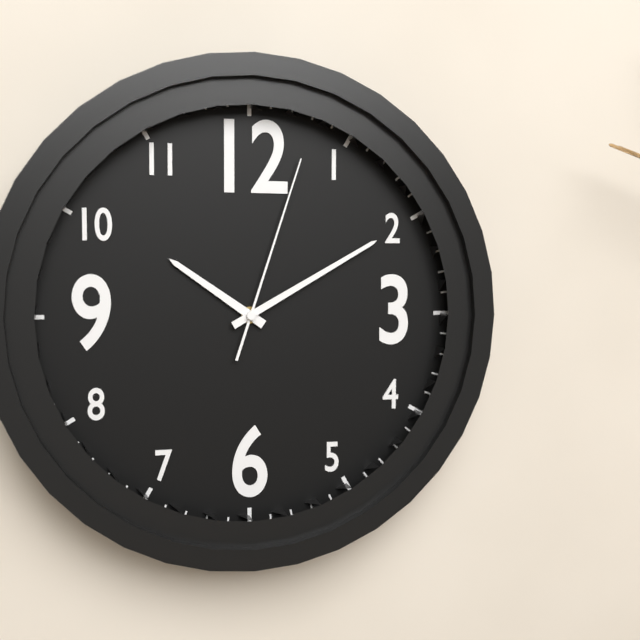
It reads 10:10:03
